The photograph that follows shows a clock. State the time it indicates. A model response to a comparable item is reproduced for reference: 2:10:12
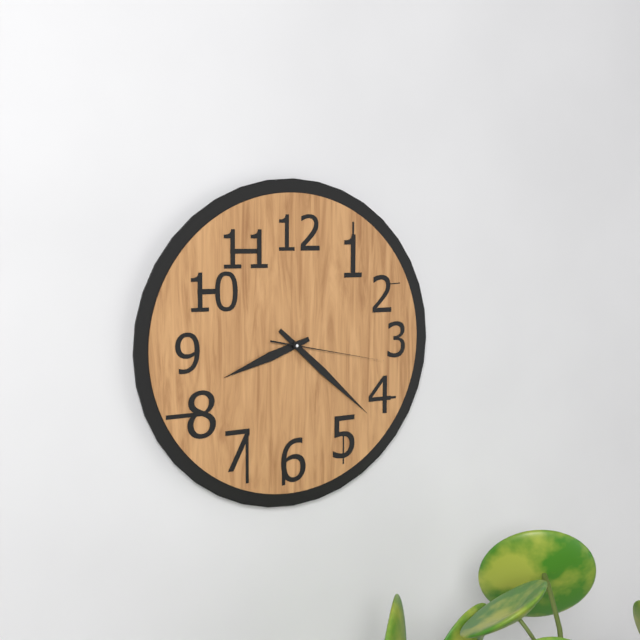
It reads 8:22:17
